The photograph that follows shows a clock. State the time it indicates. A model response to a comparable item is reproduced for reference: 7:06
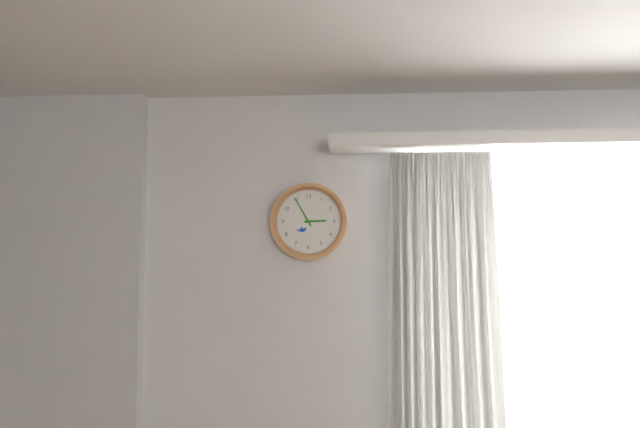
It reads 2:55
